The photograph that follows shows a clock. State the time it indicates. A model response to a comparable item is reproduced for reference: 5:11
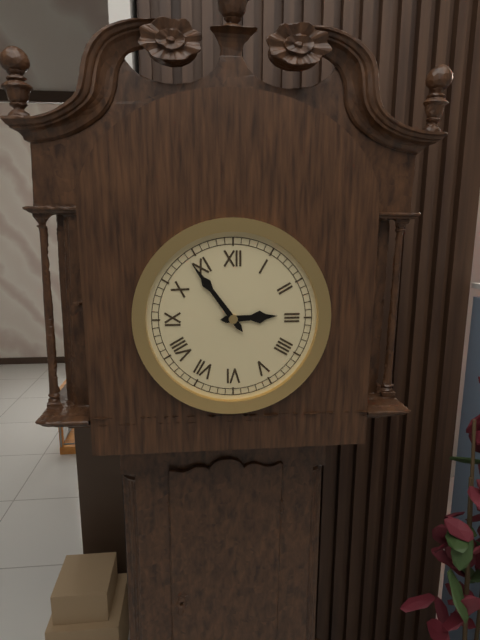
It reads 2:54
